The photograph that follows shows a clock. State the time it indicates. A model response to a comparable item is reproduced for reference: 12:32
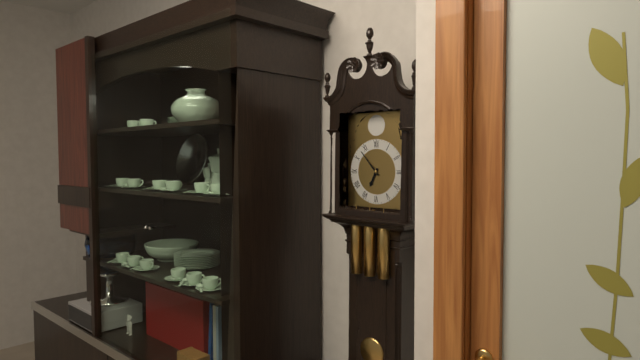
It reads 6:53
